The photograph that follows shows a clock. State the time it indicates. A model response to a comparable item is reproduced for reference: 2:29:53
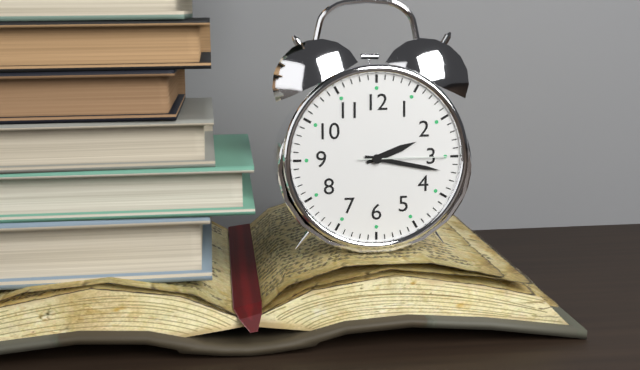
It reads 2:17:15
